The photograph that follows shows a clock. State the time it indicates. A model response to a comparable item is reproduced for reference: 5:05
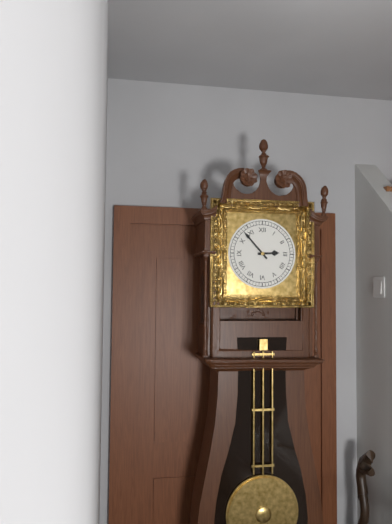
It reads 2:53
